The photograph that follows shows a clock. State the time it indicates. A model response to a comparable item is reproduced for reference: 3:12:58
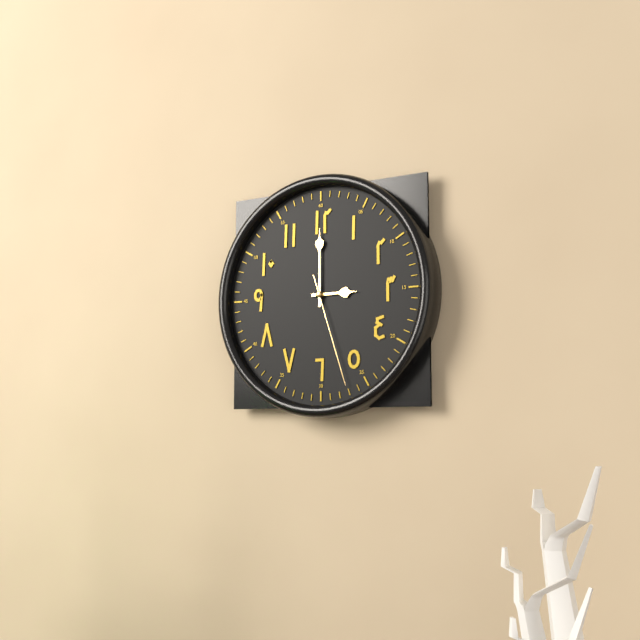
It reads 3:00:27
